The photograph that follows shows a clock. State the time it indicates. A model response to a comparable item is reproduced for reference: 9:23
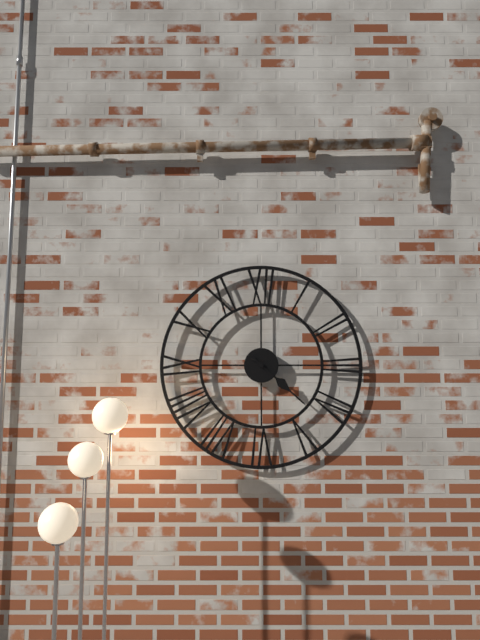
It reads 4:22
